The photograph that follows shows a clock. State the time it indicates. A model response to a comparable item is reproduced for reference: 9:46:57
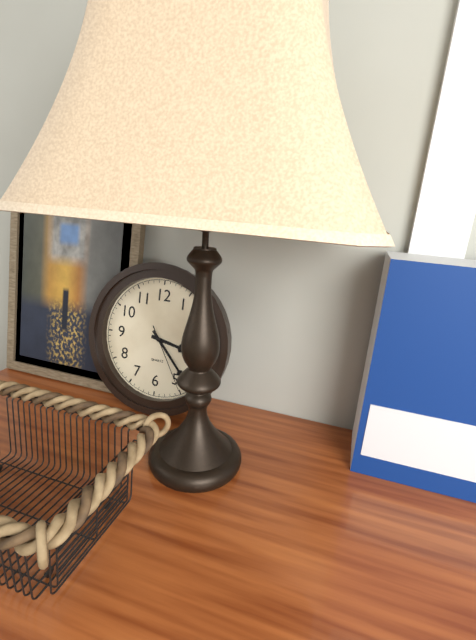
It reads 3:23:25
